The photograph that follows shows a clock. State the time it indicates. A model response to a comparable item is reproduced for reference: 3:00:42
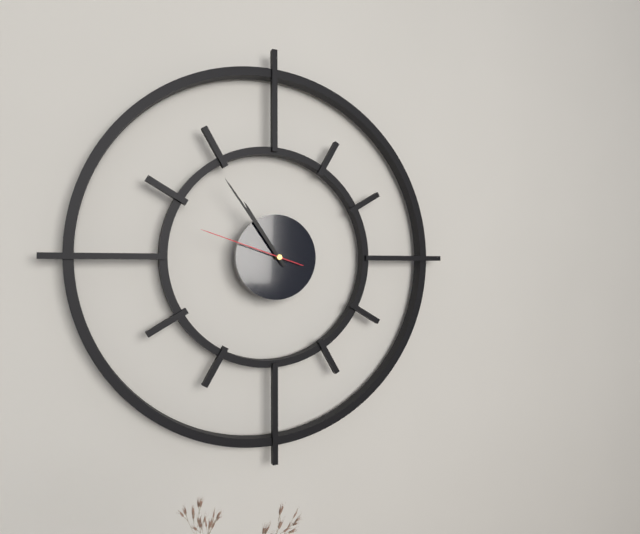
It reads 10:54:48
